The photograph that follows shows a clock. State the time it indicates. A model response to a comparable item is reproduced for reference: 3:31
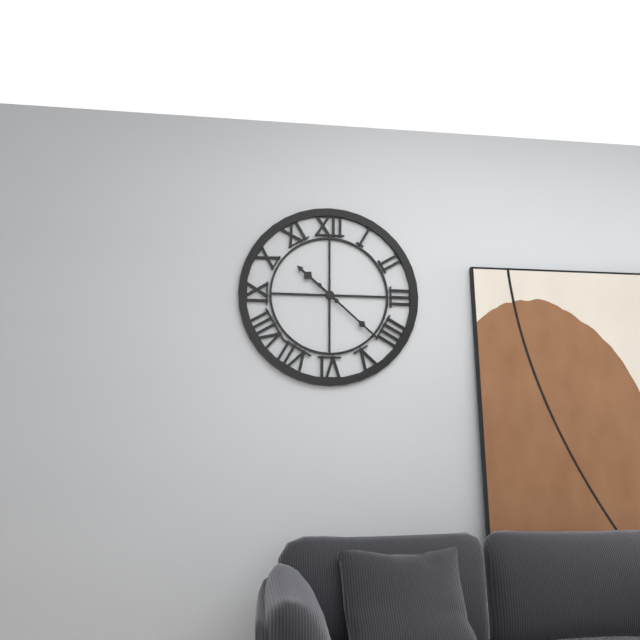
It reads 10:22
